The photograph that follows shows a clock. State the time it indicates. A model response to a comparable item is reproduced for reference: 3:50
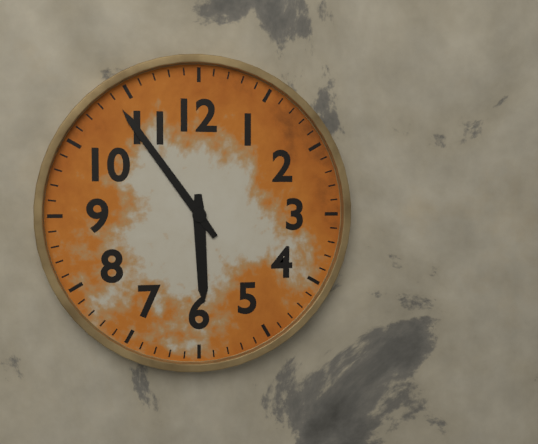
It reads 5:54
